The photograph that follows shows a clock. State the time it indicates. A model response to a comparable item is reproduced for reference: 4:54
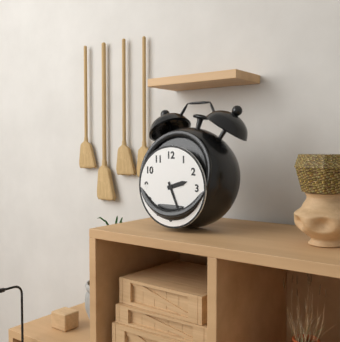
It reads 2:26
